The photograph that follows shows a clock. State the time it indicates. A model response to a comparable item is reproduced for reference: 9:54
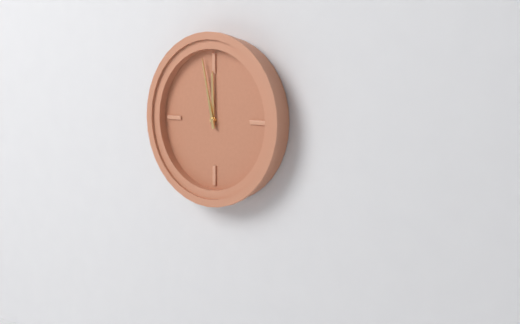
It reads 11:58
